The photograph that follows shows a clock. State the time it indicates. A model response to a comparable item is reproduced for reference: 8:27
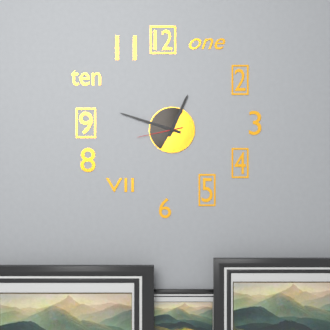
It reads 12:48
